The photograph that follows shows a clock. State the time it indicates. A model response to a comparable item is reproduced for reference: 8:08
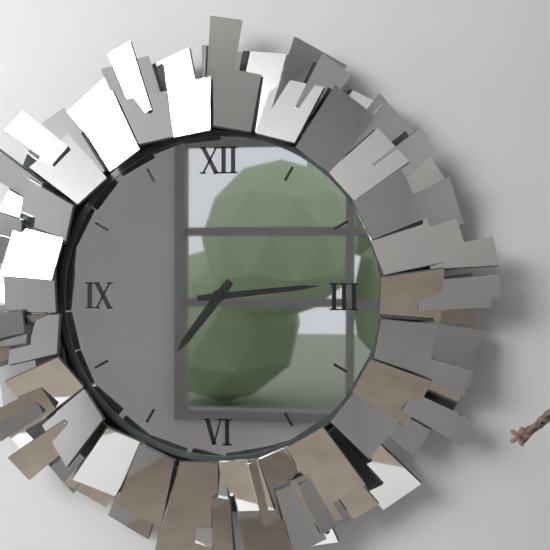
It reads 7:14
